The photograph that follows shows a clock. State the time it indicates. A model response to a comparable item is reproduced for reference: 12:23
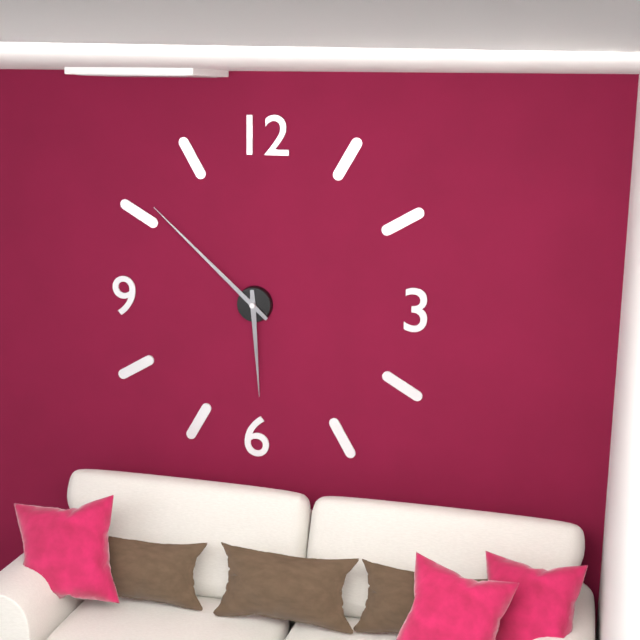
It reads 5:52
